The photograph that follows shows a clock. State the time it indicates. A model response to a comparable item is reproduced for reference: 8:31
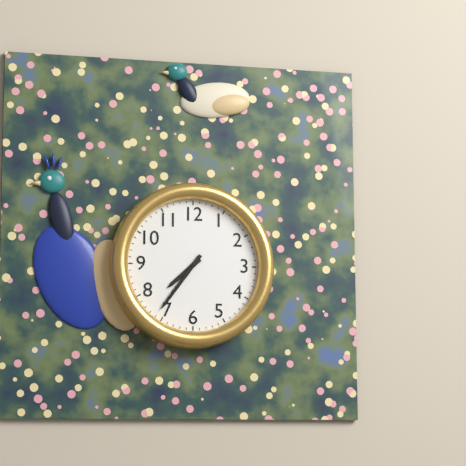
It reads 7:36
